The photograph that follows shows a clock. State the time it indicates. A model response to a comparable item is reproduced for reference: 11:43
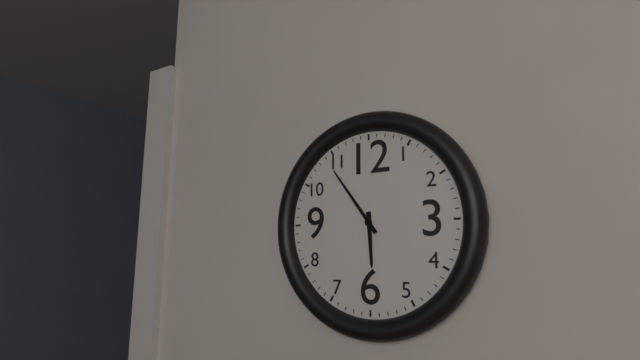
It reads 5:54
